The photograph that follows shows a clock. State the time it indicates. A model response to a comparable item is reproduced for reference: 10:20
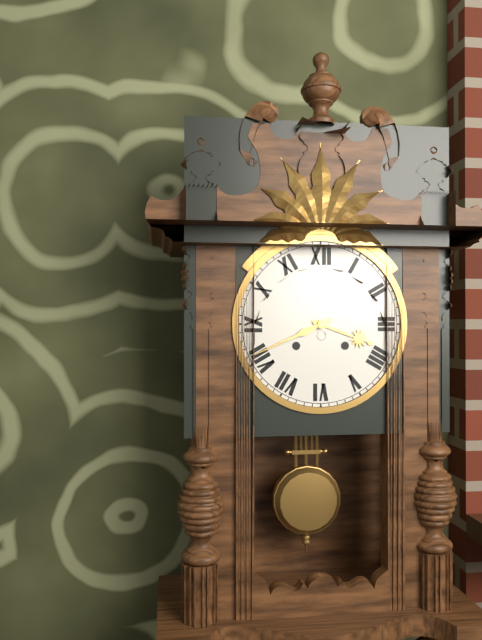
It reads 3:41
